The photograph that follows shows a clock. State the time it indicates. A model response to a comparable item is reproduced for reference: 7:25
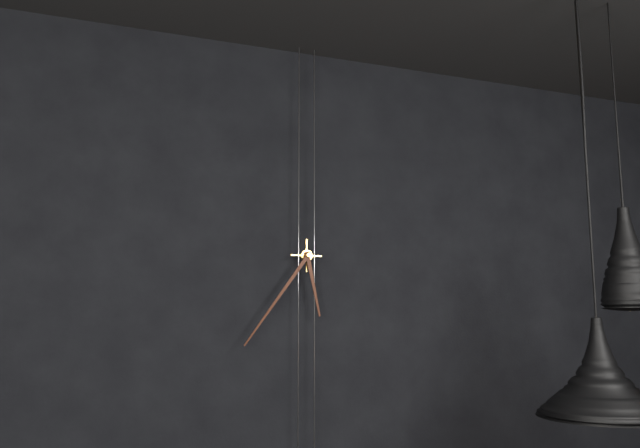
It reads 5:36
